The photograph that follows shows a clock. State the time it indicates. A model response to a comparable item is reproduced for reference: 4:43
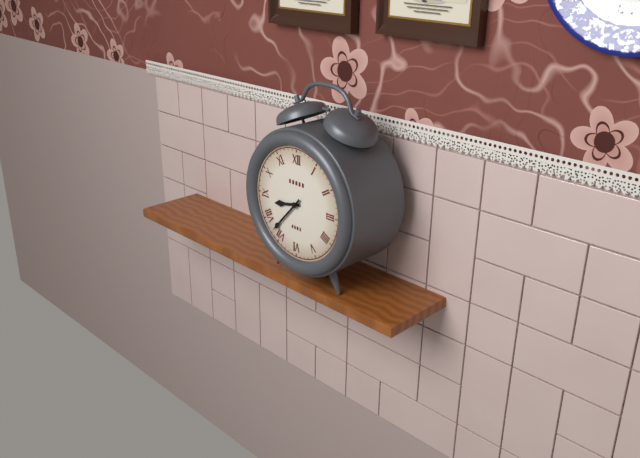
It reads 8:37
